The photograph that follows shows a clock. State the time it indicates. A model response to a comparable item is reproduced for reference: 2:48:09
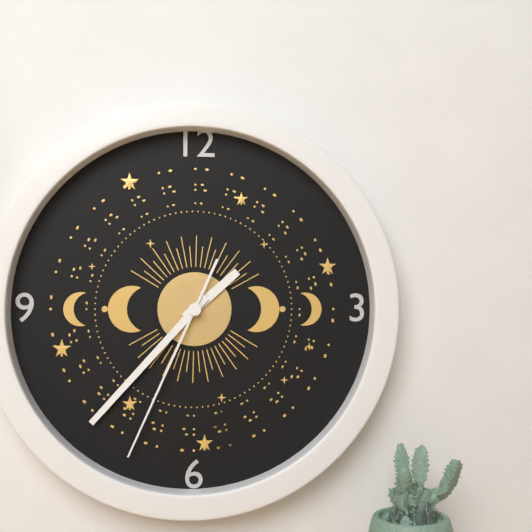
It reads 1:37:34
